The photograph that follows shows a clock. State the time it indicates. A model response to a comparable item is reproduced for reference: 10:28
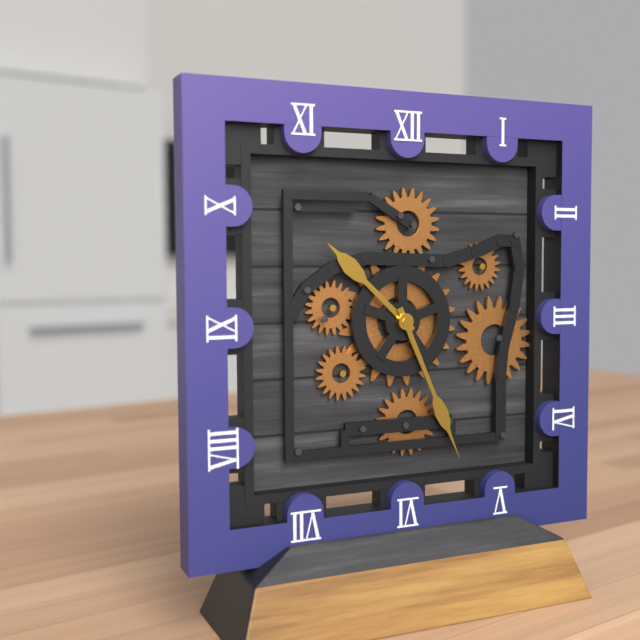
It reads 10:26
